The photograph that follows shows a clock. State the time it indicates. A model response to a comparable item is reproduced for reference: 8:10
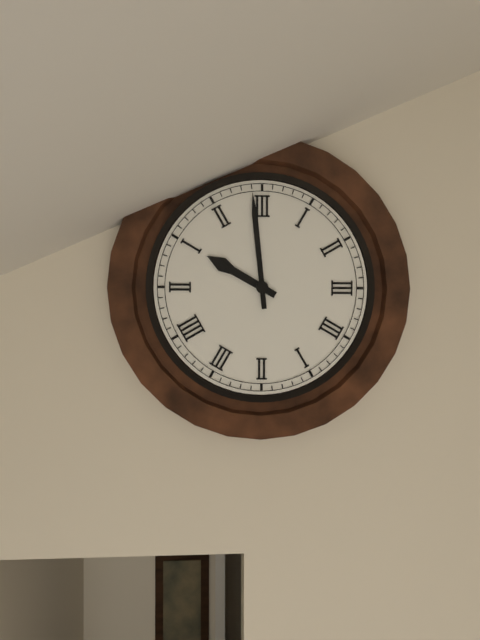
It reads 9:59
